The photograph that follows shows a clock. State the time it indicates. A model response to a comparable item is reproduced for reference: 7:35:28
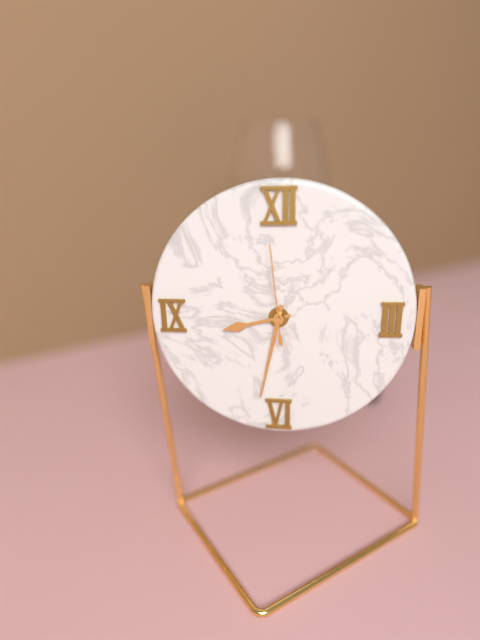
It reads 8:32:59
